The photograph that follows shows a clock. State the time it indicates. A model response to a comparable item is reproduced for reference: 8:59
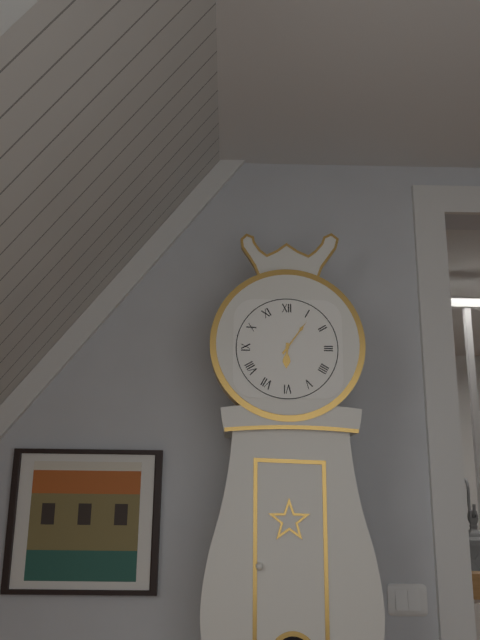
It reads 6:06
